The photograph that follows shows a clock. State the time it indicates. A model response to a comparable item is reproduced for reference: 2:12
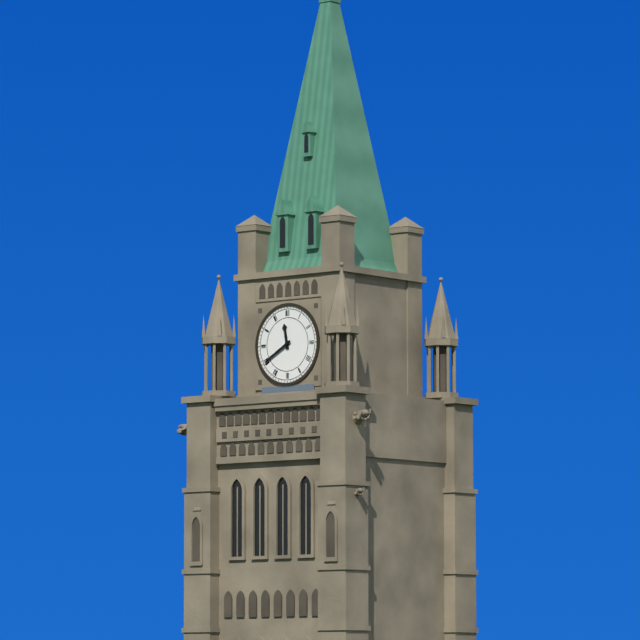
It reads 11:40
